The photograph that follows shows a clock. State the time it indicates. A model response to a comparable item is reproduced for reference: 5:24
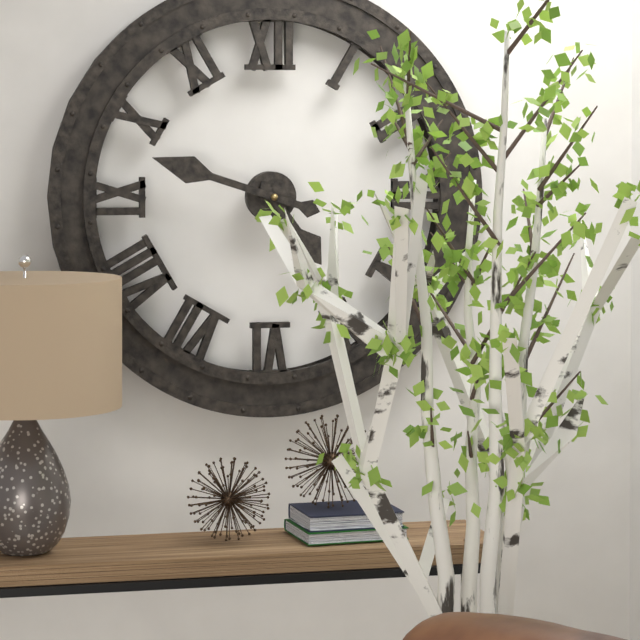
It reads 4:48
